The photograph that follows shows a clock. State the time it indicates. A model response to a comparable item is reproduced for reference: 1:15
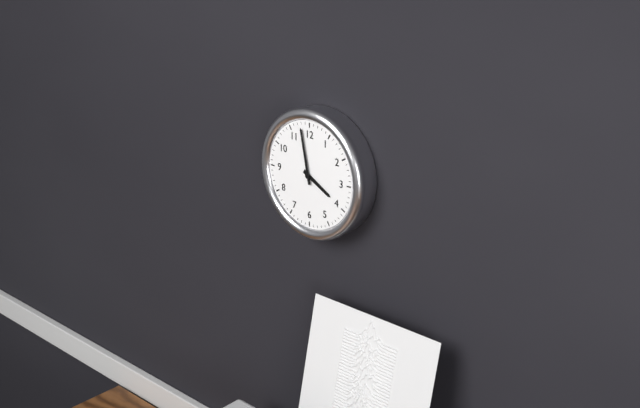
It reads 3:58
